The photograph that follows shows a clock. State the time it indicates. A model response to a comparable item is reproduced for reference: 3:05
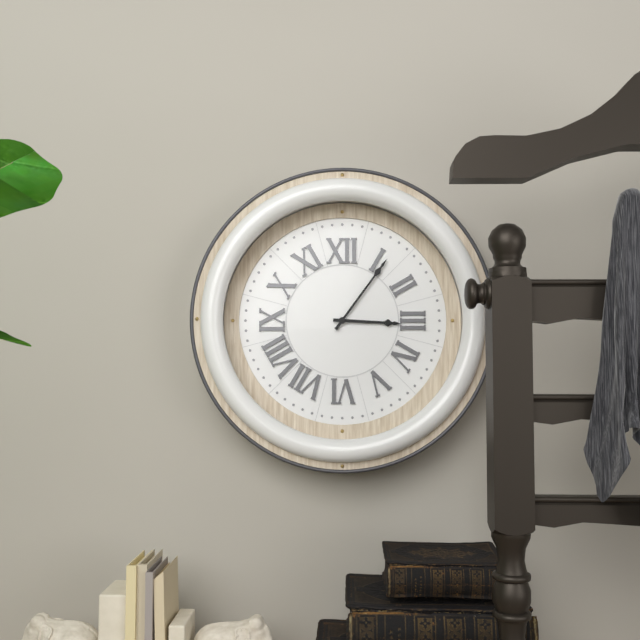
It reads 3:06
